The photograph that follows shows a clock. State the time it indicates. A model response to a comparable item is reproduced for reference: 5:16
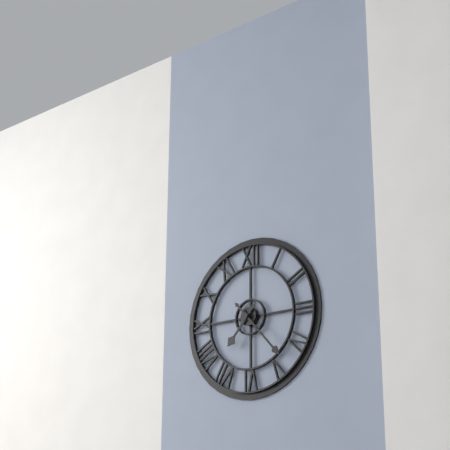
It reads 7:23
